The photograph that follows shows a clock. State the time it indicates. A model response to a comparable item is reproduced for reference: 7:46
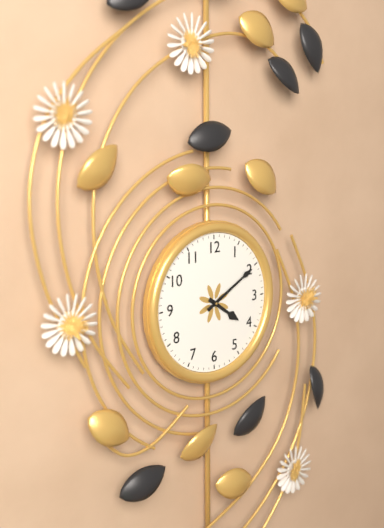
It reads 4:10
